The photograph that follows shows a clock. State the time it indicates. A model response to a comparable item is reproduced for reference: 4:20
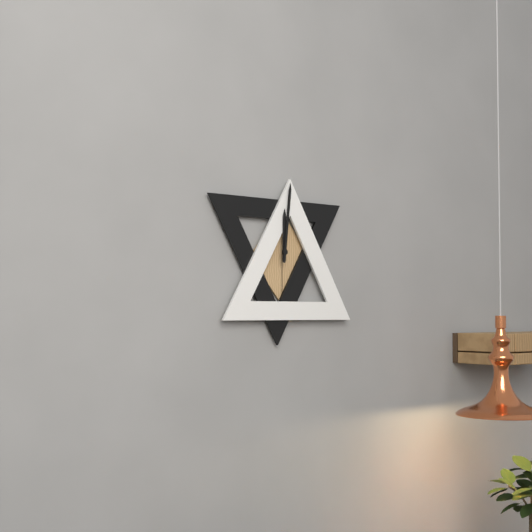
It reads 12:01
